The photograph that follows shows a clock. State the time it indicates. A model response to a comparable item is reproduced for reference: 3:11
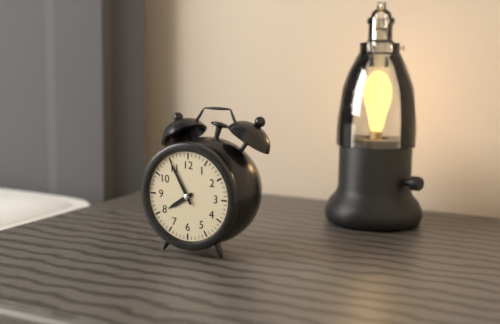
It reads 7:55
